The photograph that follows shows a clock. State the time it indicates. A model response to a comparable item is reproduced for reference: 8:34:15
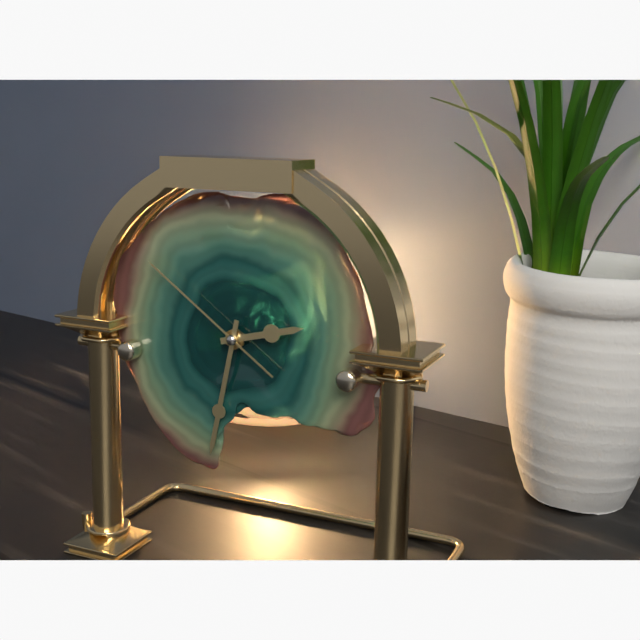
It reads 2:32:51
